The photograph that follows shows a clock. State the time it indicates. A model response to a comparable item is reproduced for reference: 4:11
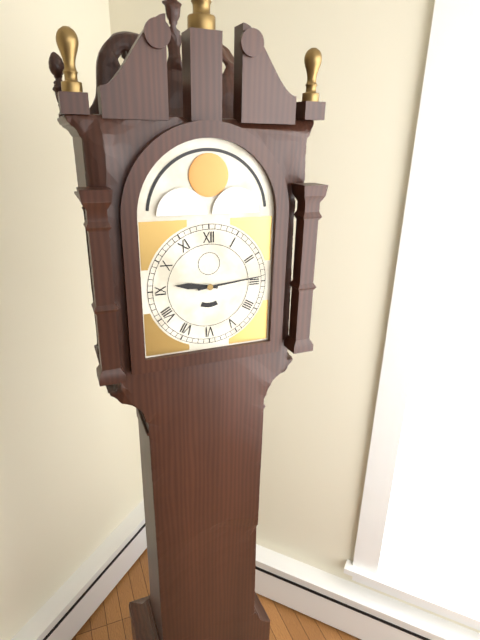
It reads 9:14
